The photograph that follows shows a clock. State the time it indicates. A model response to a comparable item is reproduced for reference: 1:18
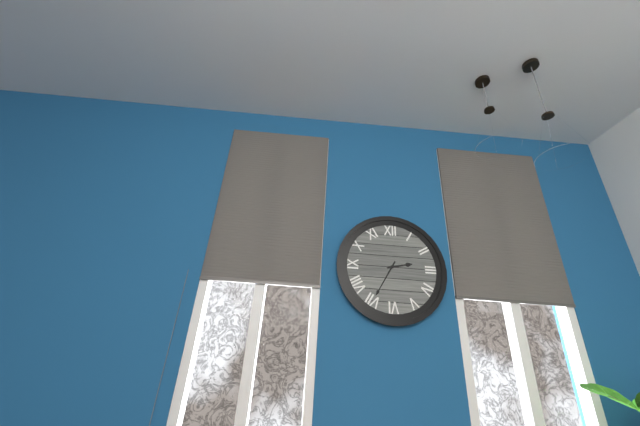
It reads 2:35
